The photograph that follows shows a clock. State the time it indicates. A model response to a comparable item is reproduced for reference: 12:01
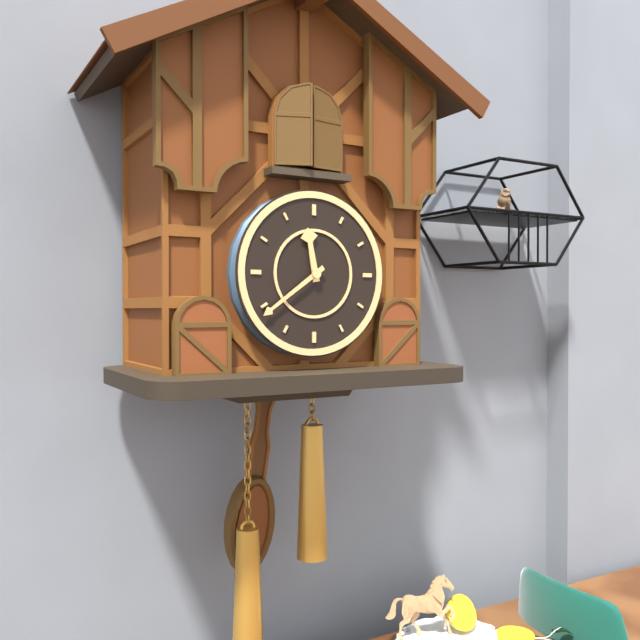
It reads 11:39
